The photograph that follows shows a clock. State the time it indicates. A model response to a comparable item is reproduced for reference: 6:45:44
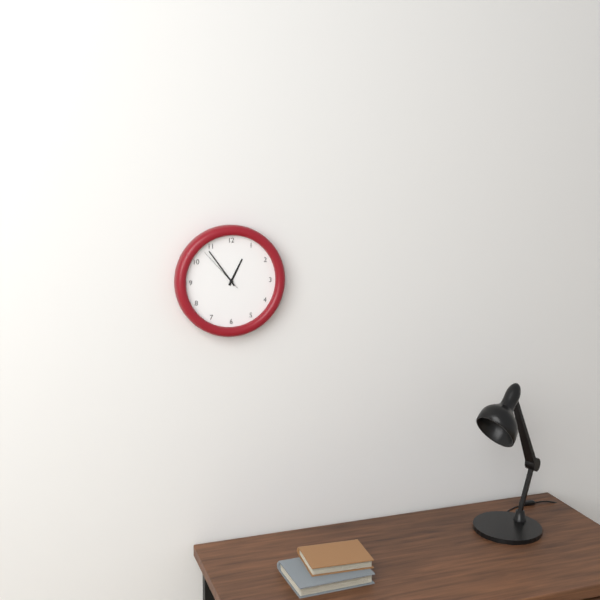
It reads 12:54:53
